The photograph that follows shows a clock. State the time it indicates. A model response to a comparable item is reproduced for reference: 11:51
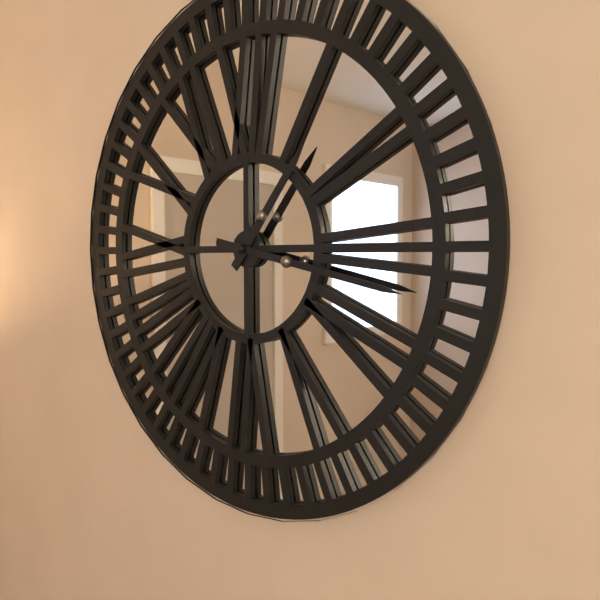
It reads 1:17
